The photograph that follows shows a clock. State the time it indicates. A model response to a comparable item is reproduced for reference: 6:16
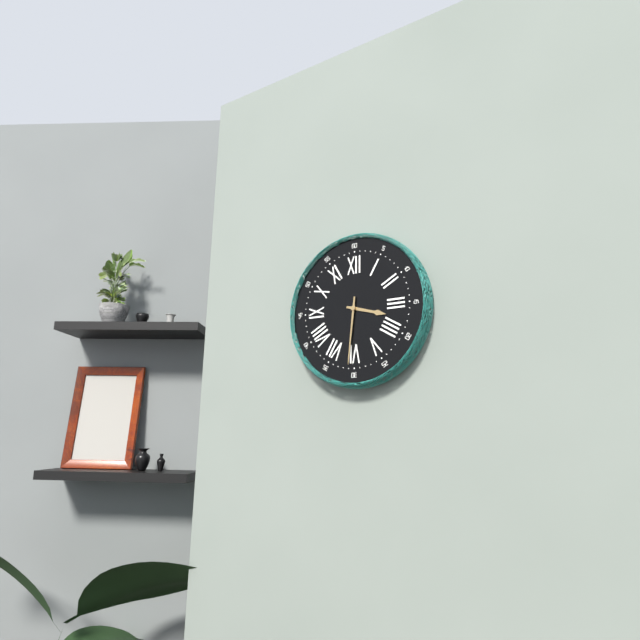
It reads 3:31
